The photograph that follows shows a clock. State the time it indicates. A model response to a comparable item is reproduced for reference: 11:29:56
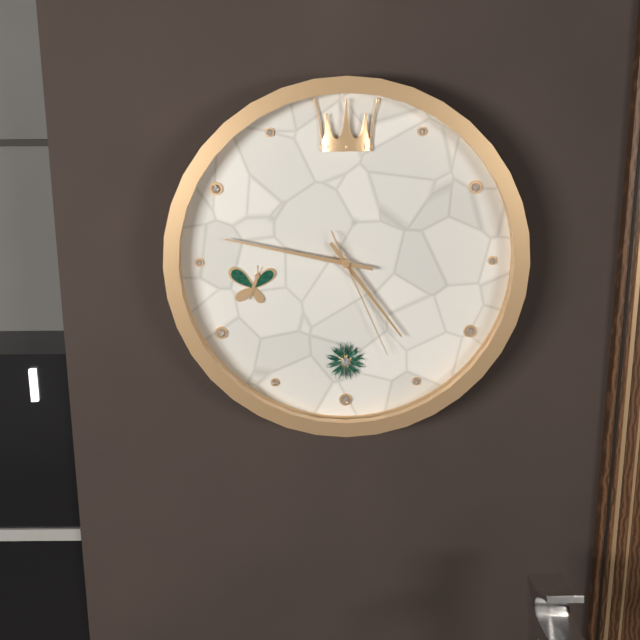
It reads 4:47:26
